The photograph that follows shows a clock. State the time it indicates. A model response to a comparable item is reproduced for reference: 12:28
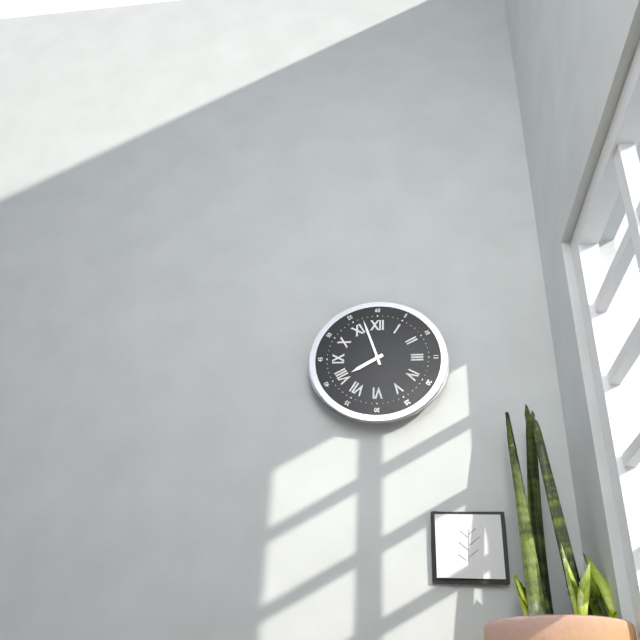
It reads 7:57
